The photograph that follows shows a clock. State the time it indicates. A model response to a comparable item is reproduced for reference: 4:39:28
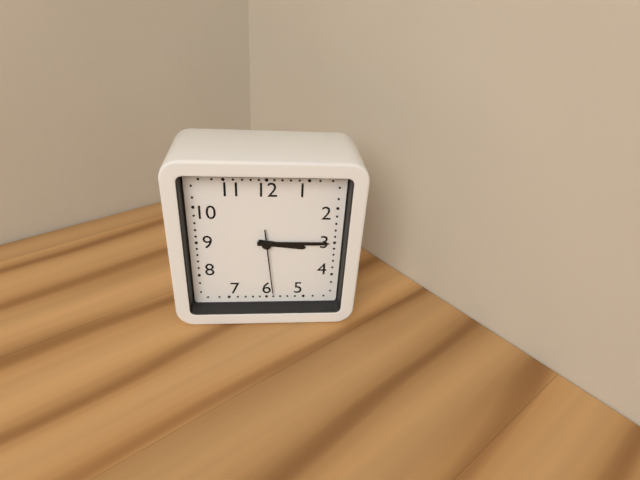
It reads 3:15:29
